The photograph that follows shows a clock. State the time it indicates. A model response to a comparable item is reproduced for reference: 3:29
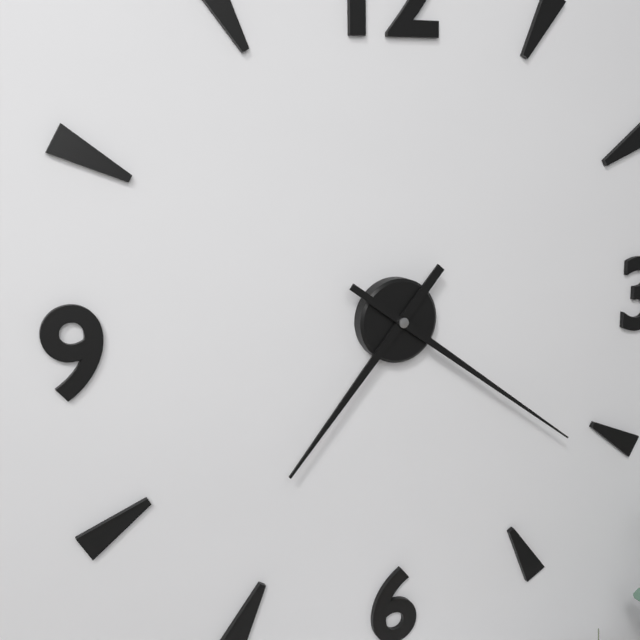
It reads 7:21
